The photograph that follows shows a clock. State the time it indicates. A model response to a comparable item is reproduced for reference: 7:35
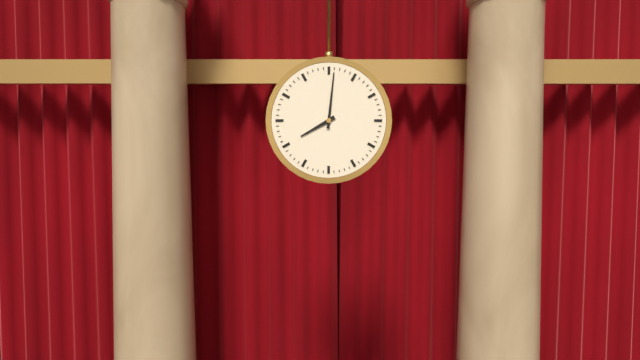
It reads 8:01
